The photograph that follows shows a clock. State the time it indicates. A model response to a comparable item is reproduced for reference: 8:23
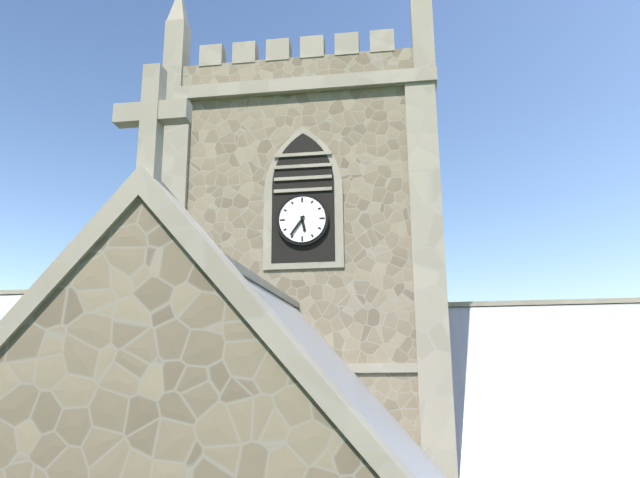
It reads 5:36
